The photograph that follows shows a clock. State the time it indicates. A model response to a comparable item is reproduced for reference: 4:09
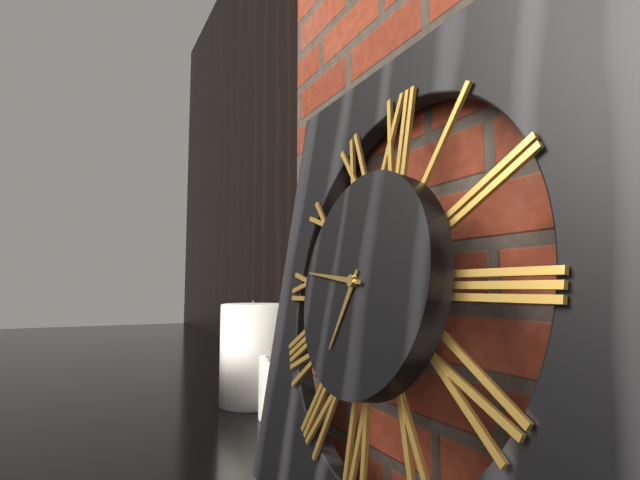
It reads 6:46
